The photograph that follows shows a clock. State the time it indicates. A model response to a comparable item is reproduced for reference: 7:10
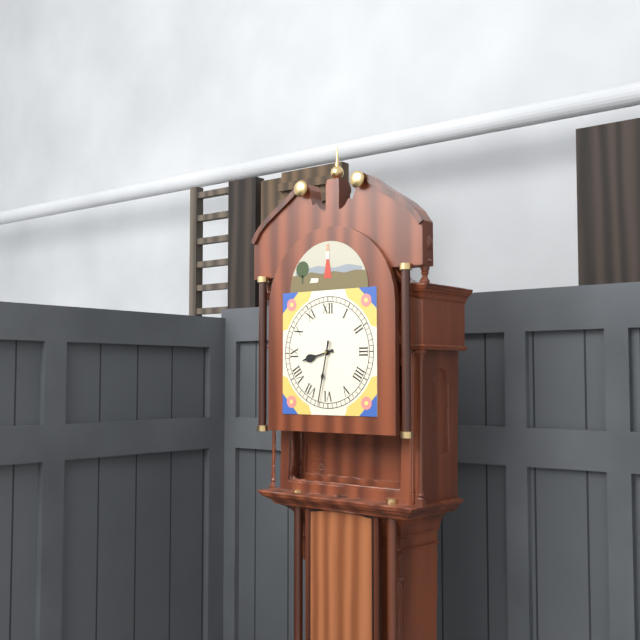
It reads 8:32
